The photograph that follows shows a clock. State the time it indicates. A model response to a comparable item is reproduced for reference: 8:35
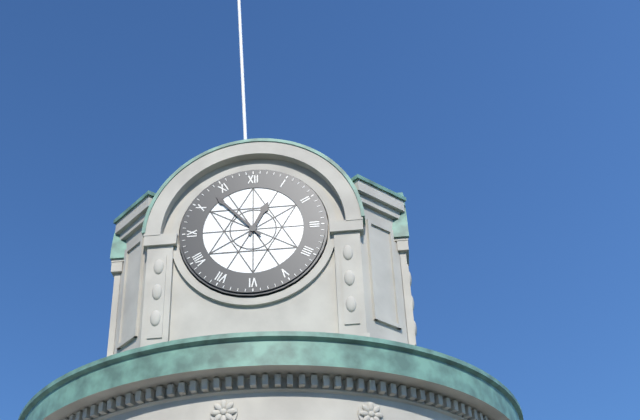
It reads 12:53
